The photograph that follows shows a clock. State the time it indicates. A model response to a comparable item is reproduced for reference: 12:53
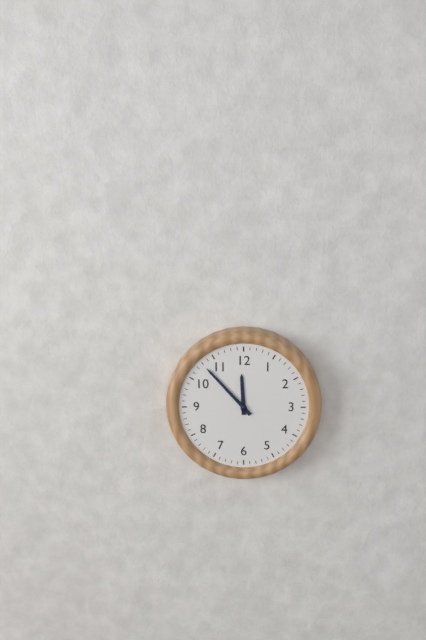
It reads 11:53
